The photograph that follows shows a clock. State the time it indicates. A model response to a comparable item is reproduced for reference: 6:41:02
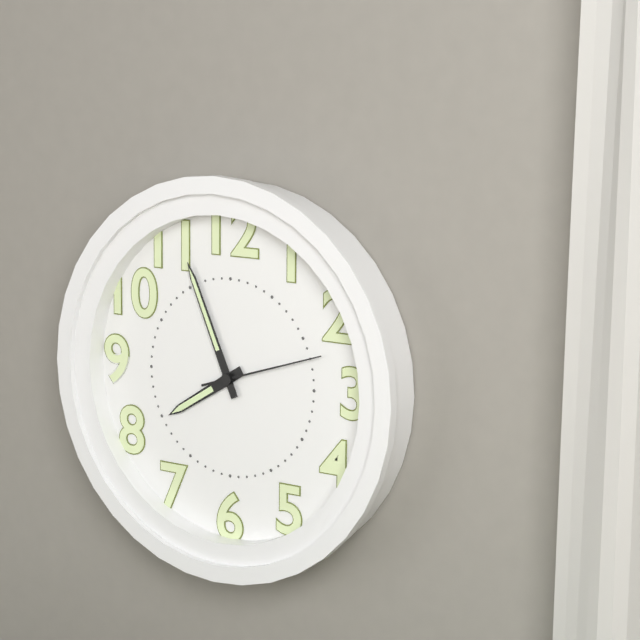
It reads 7:56:12
